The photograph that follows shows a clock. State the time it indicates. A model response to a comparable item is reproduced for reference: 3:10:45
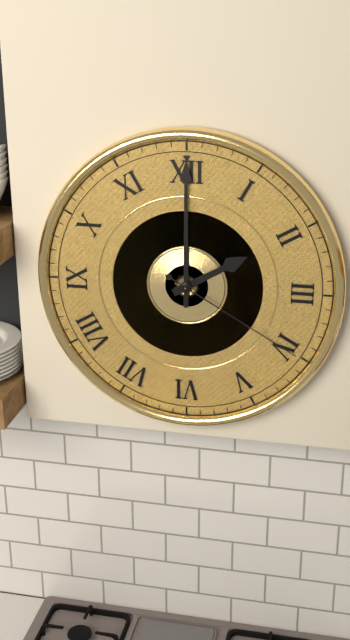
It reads 2:00:20
